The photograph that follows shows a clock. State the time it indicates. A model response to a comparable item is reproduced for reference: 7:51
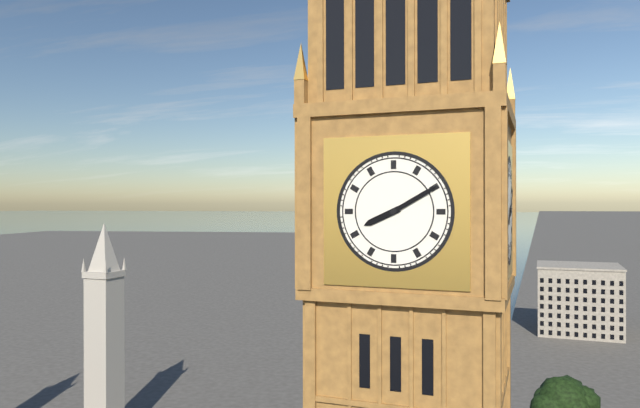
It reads 8:10
